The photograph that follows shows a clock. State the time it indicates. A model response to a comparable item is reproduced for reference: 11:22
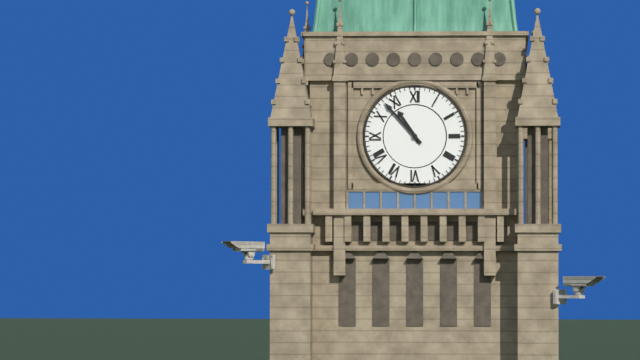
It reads 10:53
